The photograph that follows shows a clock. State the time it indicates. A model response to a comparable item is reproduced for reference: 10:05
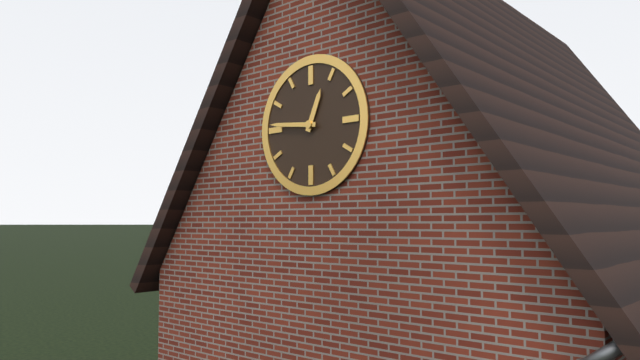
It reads 12:46
